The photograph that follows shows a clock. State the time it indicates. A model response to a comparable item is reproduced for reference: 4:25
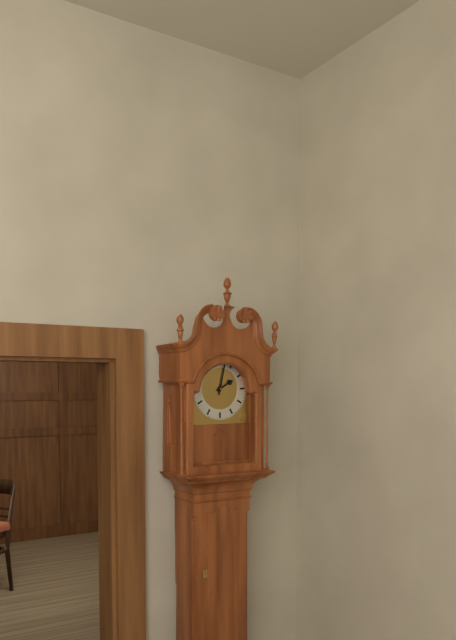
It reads 2:02
